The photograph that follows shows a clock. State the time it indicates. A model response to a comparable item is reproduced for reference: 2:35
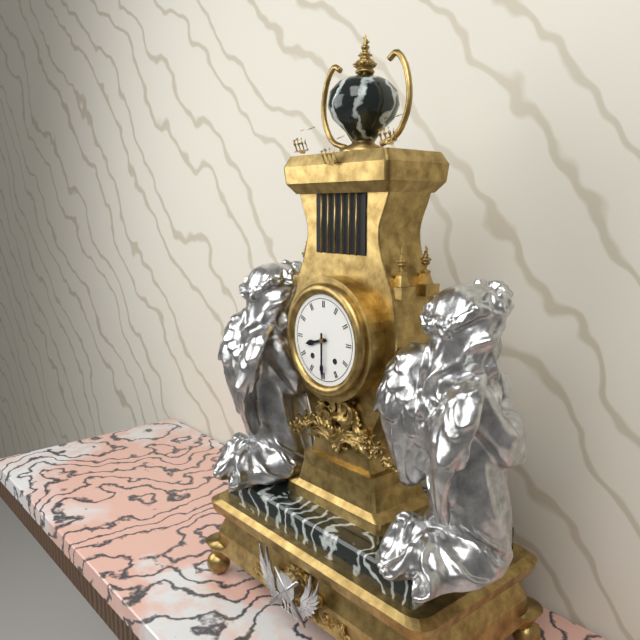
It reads 8:30
